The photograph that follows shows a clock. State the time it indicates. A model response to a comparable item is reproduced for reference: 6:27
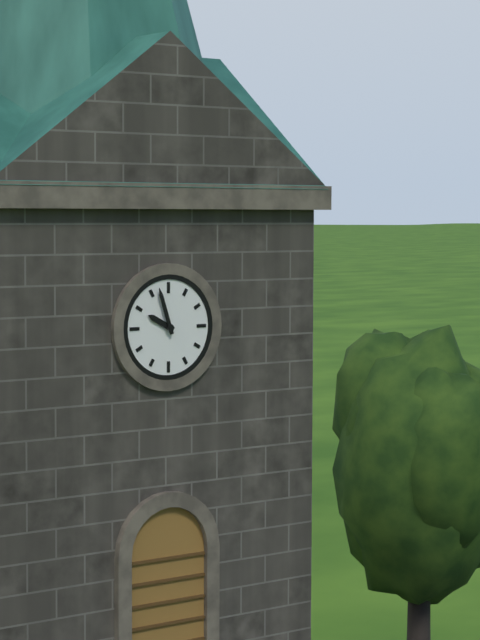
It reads 9:57
